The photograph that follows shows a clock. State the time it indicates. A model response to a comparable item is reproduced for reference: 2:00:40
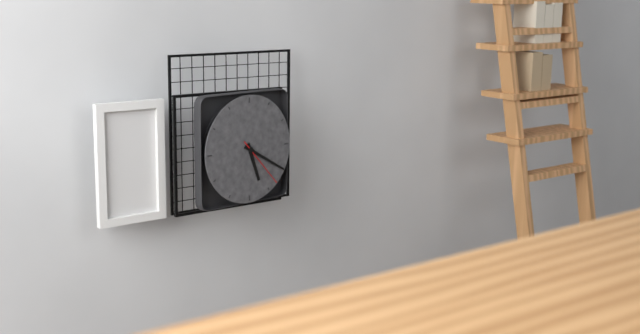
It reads 5:20:23
